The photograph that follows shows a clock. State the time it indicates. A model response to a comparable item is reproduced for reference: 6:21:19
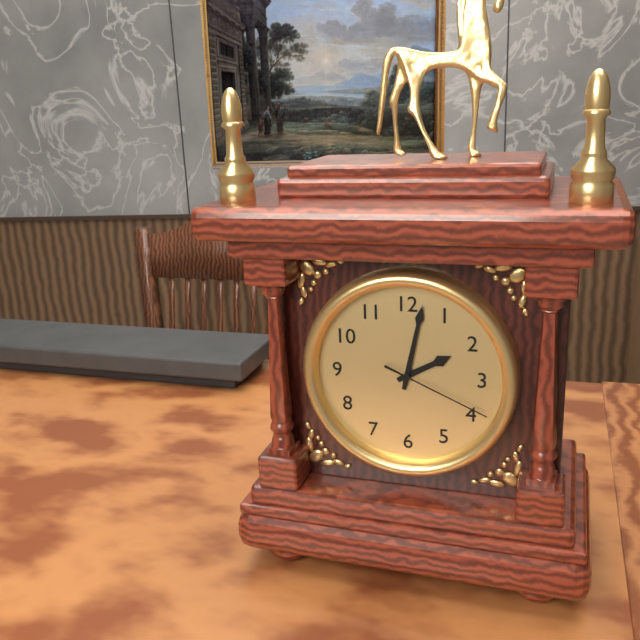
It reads 2:02:19
